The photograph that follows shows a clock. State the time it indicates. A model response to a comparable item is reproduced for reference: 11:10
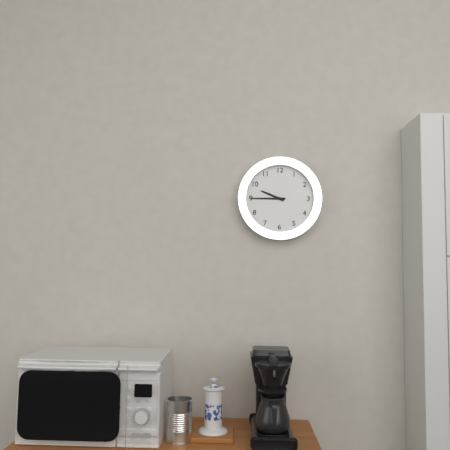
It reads 9:45
